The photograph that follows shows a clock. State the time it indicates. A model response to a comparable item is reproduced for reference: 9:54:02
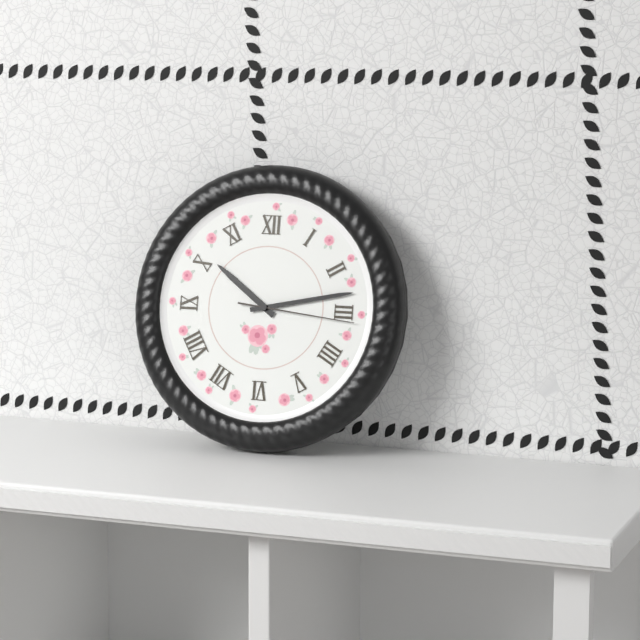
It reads 10:13:16
